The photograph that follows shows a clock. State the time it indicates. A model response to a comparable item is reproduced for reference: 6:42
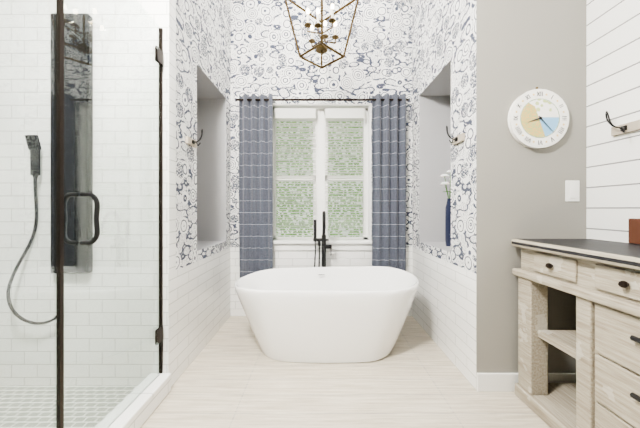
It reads 8:23
